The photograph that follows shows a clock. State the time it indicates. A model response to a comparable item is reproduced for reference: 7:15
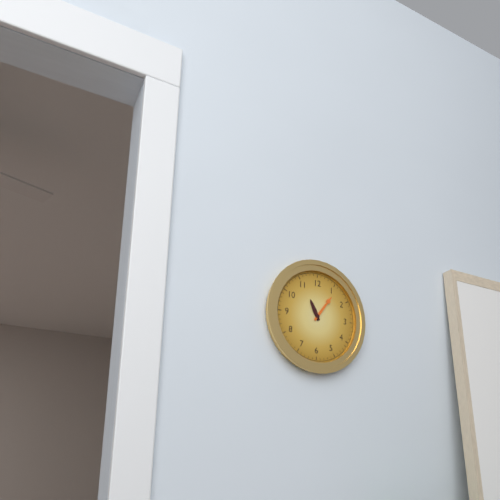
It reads 11:06
